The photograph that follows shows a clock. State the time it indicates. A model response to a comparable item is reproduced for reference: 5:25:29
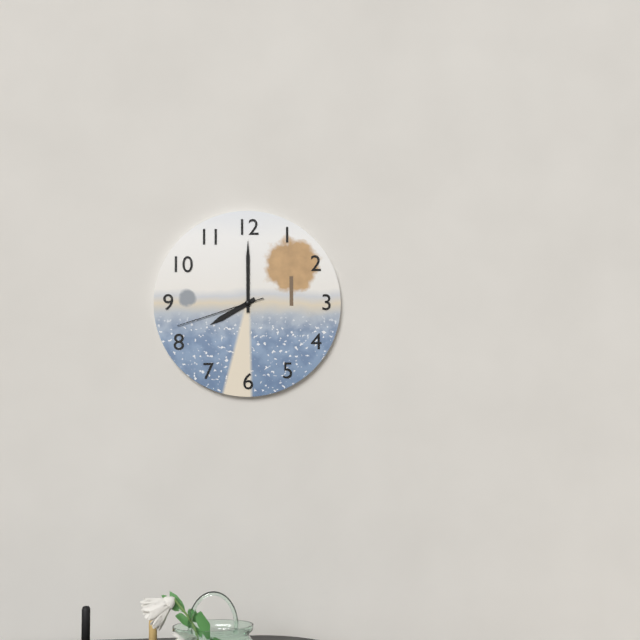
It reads 8:00:42
